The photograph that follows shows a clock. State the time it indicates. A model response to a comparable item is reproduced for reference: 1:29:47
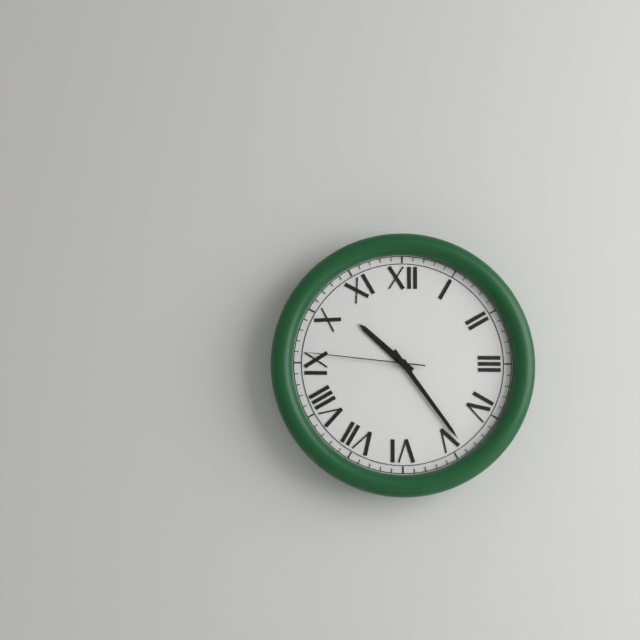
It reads 10:24:46
